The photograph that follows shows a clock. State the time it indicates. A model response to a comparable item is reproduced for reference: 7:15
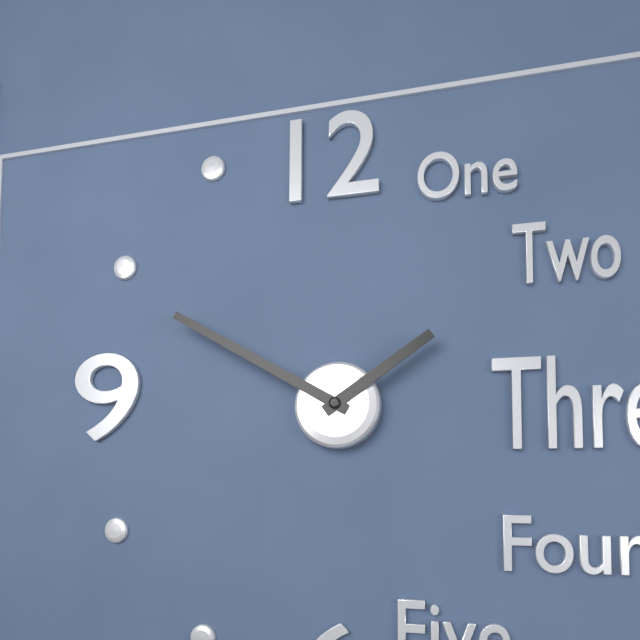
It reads 1:50
